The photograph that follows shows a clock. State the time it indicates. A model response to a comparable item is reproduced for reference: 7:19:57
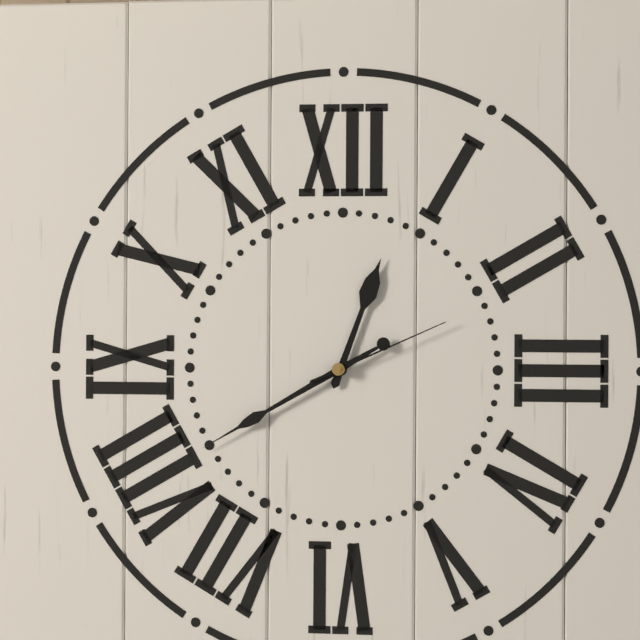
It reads 12:40:11
